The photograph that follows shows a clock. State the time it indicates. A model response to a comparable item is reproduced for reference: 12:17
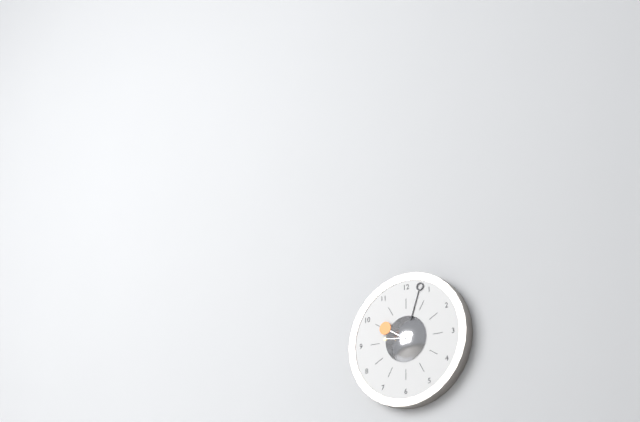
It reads 10:03
